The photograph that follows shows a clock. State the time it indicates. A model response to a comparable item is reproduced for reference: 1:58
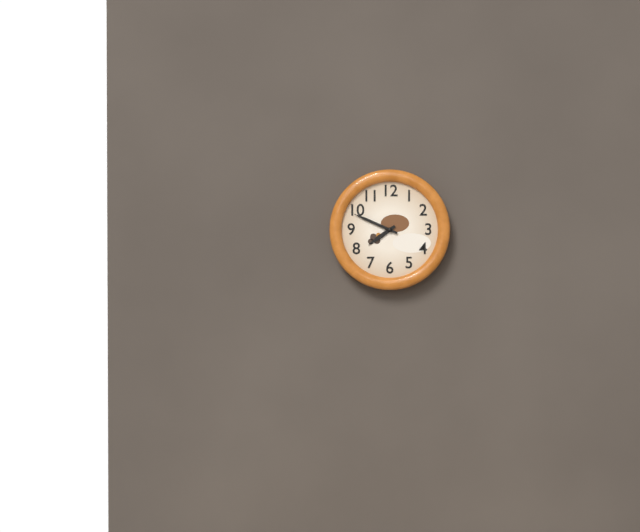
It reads 7:49
